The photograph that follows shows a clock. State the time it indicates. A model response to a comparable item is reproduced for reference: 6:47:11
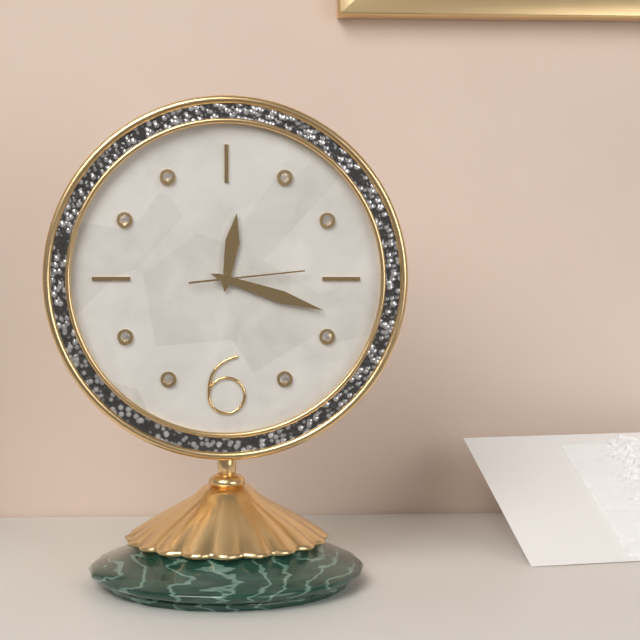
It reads 12:18:14
